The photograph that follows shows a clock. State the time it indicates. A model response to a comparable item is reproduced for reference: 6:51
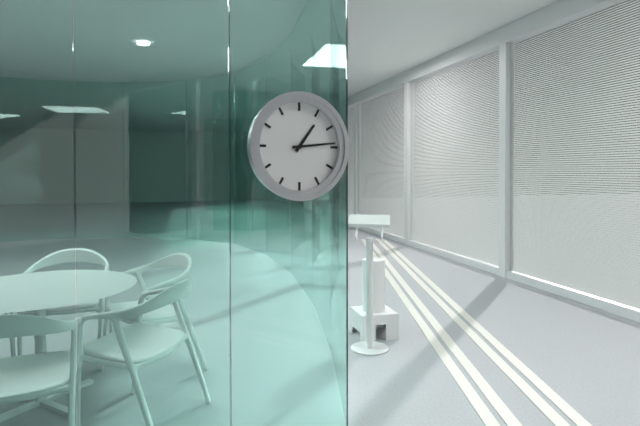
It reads 1:14
